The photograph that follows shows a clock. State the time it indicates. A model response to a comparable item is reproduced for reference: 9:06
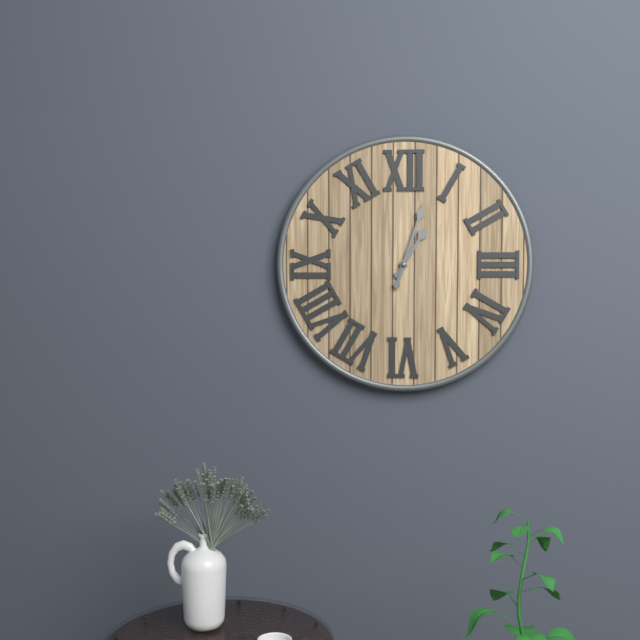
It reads 1:03
